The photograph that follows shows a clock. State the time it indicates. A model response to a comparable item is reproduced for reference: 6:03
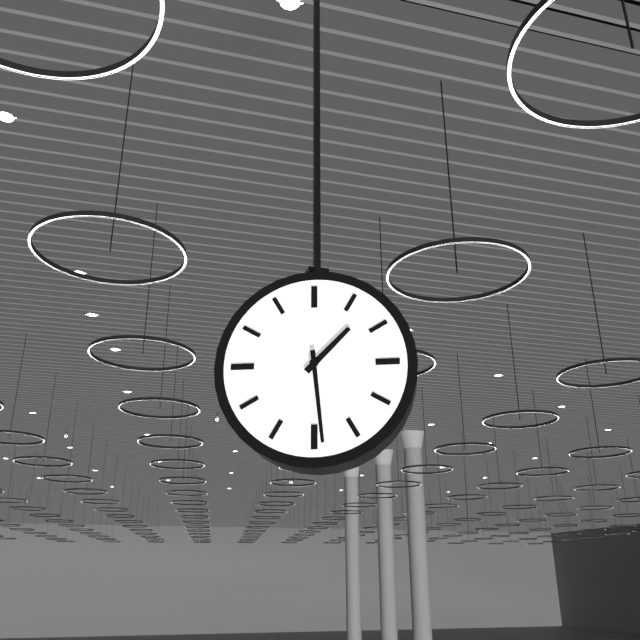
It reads 1:29
